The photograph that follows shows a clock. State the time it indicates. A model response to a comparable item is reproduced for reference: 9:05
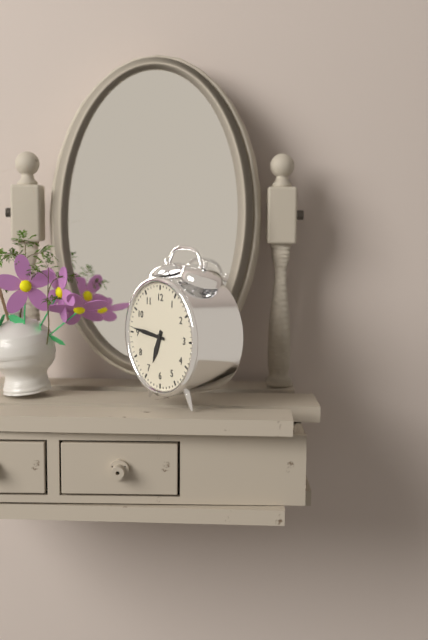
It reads 6:46
